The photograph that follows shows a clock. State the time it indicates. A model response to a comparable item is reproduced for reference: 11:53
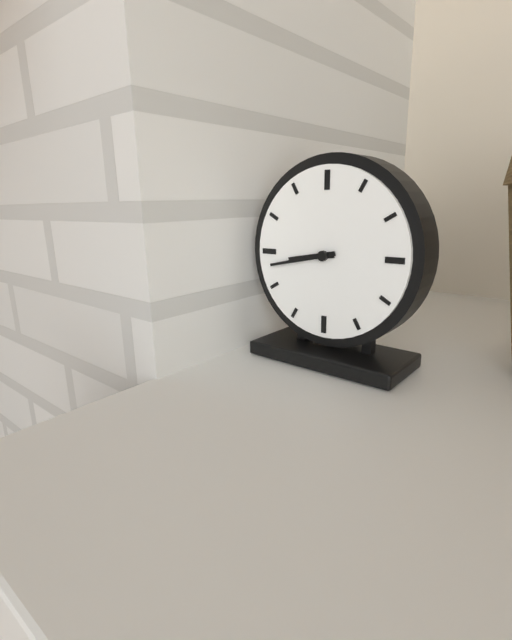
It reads 8:43
